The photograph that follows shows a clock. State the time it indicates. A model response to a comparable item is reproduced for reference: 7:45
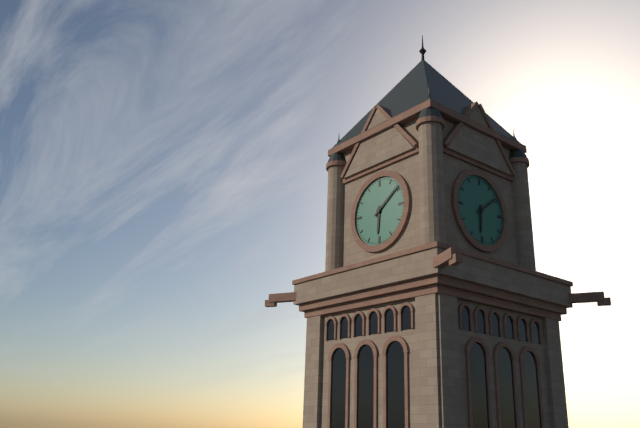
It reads 6:09
